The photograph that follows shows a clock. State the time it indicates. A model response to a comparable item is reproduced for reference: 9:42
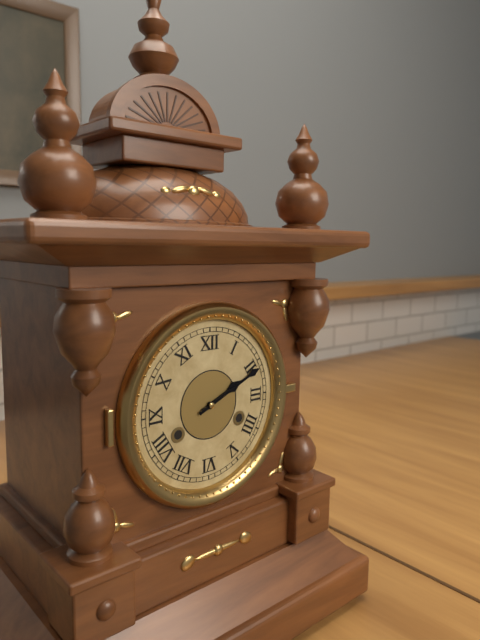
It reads 2:11
